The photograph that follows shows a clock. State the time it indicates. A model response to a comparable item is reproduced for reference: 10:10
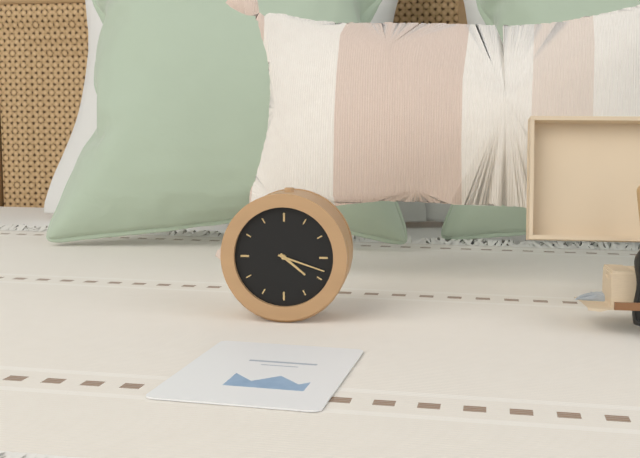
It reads 4:18
